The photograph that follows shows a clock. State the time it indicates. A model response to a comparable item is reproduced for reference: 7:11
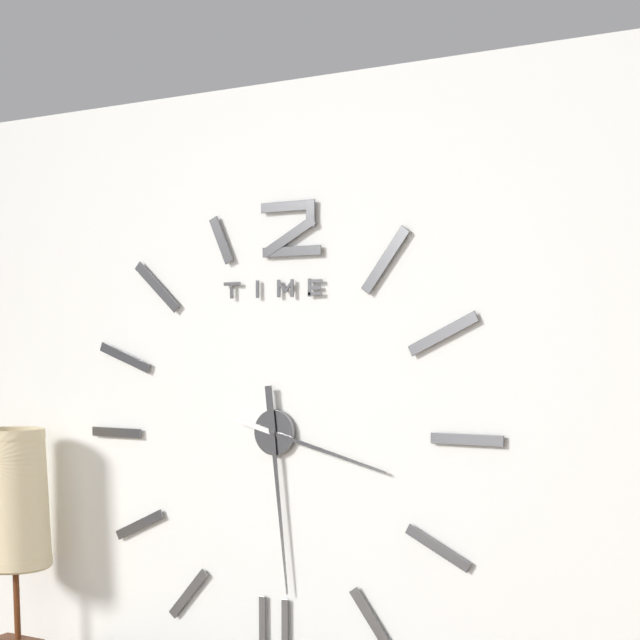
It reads 3:29
